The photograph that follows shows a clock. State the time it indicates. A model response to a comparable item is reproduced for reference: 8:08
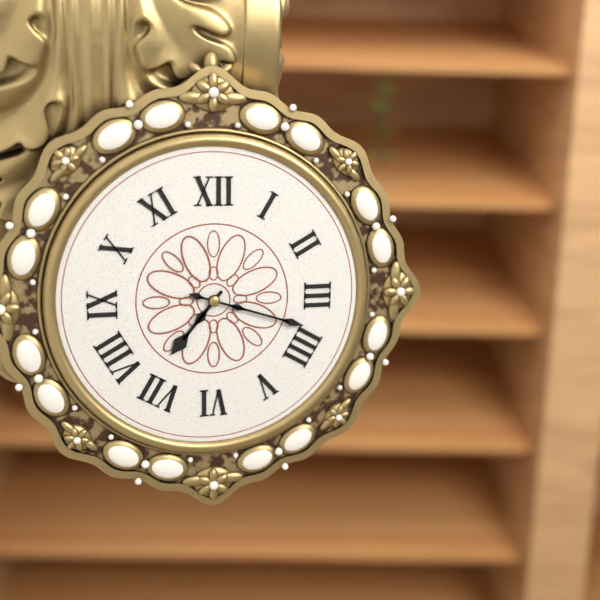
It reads 7:18
